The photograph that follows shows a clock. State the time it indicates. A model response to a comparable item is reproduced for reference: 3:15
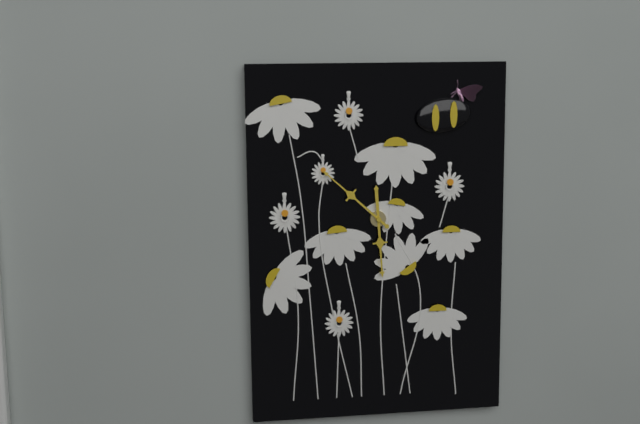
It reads 5:52
